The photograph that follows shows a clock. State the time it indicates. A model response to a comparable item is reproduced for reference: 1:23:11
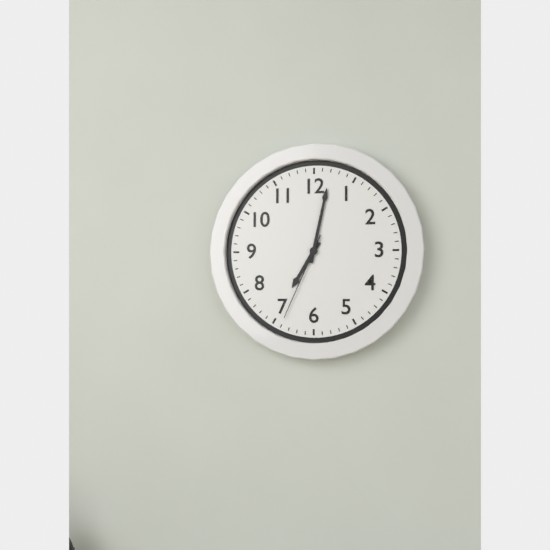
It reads 7:02:34
